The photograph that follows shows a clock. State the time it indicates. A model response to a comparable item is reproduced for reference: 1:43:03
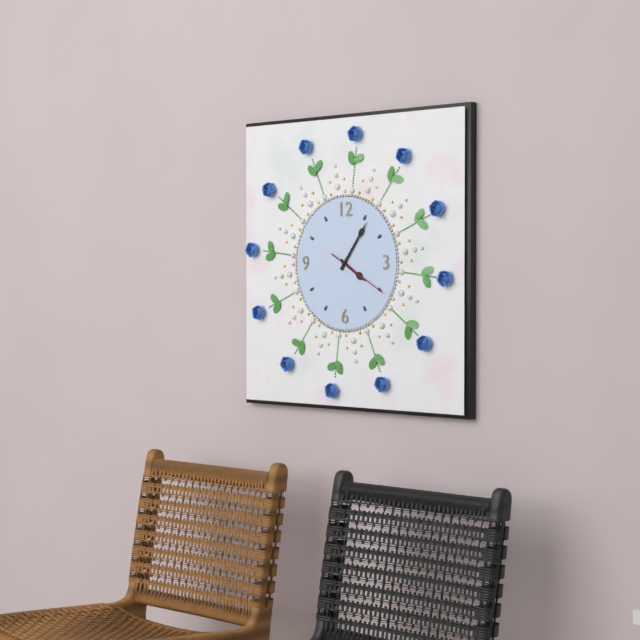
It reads 4:06:20
